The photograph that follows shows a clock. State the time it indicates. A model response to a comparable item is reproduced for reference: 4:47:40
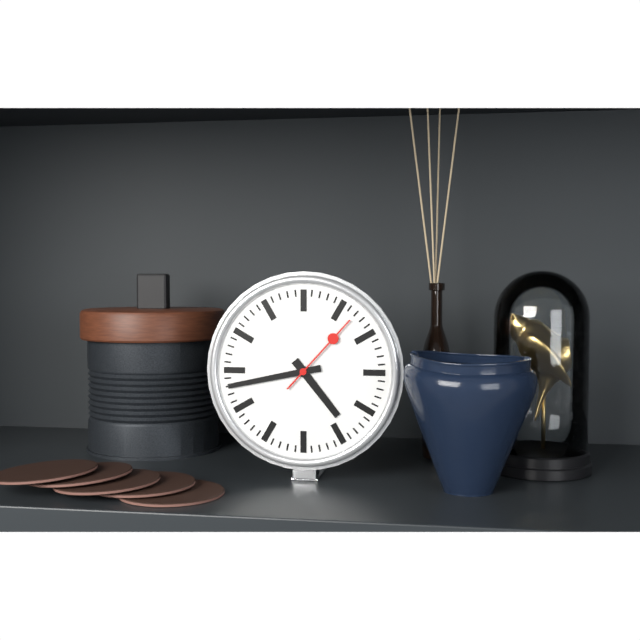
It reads 4:43:07
